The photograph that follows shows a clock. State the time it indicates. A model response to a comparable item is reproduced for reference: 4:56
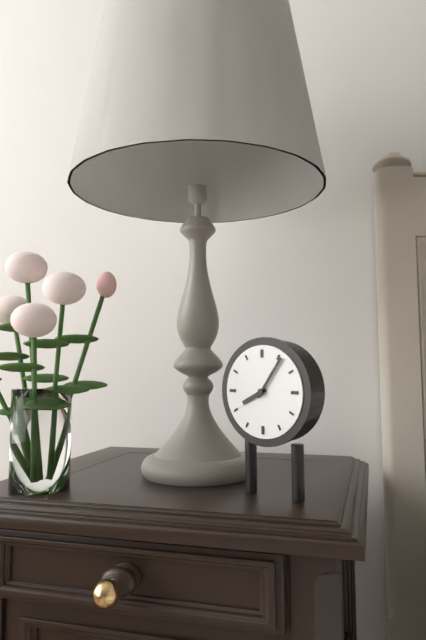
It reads 8:06
